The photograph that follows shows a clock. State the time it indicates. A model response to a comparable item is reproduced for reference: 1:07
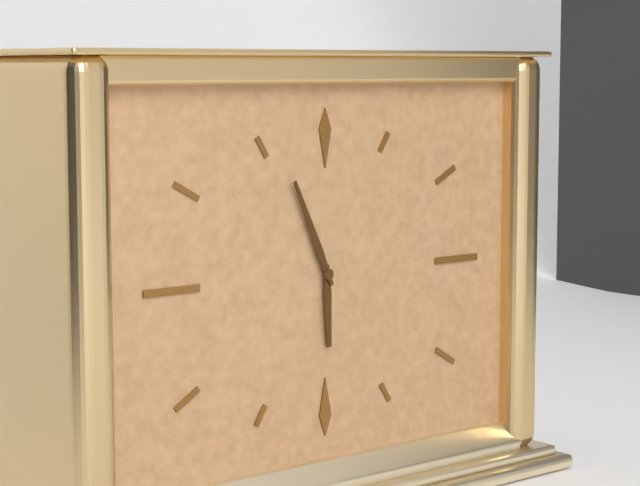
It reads 5:56
